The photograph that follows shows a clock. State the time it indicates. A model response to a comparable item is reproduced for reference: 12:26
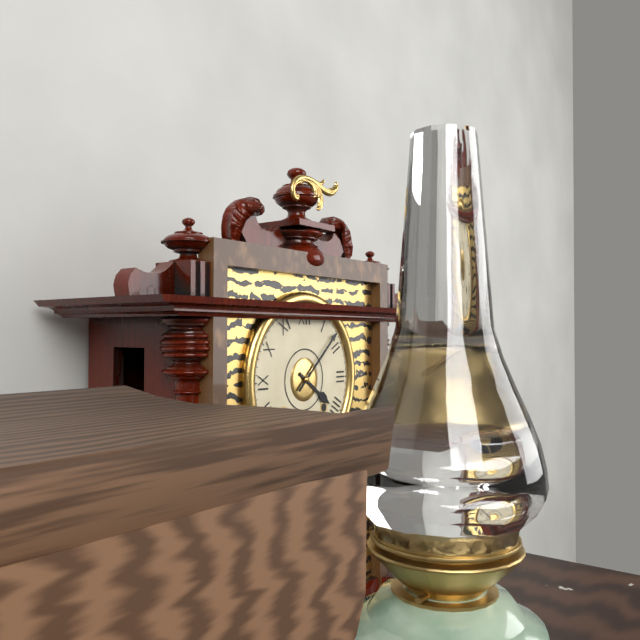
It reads 4:08
